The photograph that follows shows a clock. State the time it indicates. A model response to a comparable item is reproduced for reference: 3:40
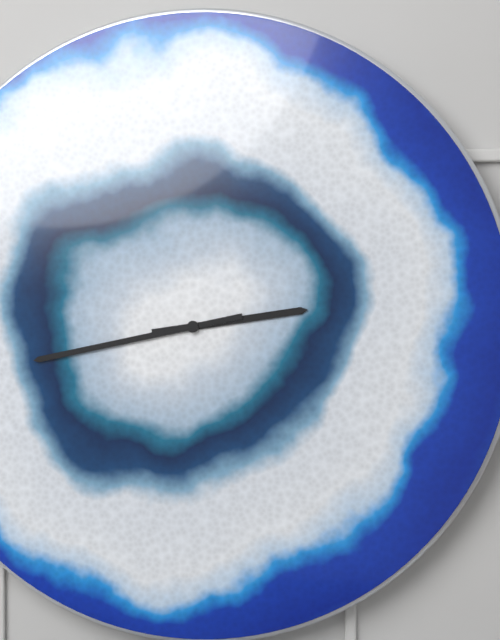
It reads 2:43
